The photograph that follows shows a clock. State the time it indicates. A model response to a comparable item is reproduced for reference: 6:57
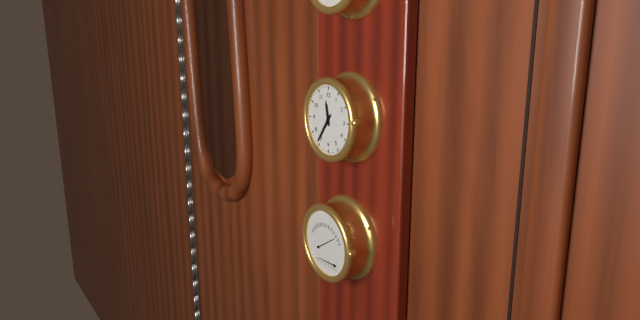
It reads 11:36
